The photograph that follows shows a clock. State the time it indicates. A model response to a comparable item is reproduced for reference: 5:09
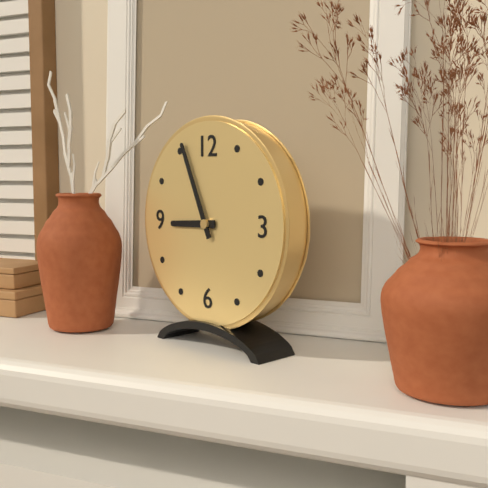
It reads 8:56
